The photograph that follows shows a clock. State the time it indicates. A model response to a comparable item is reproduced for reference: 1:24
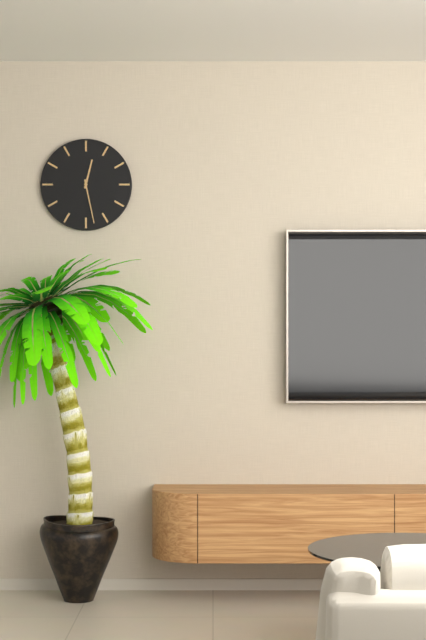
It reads 12:28
